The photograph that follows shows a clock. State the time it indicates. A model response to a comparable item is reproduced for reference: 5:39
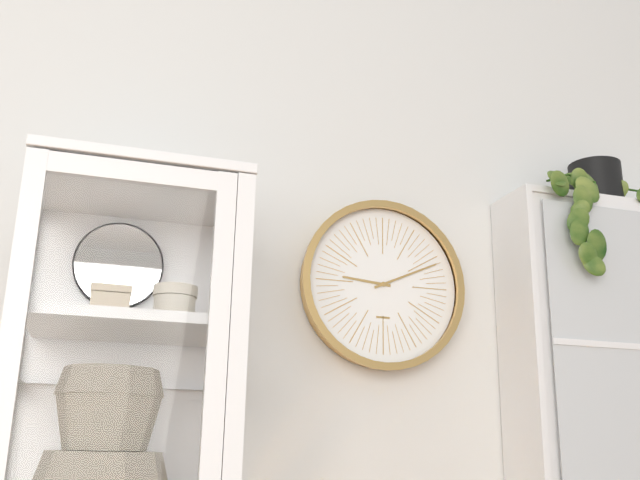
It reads 9:11
